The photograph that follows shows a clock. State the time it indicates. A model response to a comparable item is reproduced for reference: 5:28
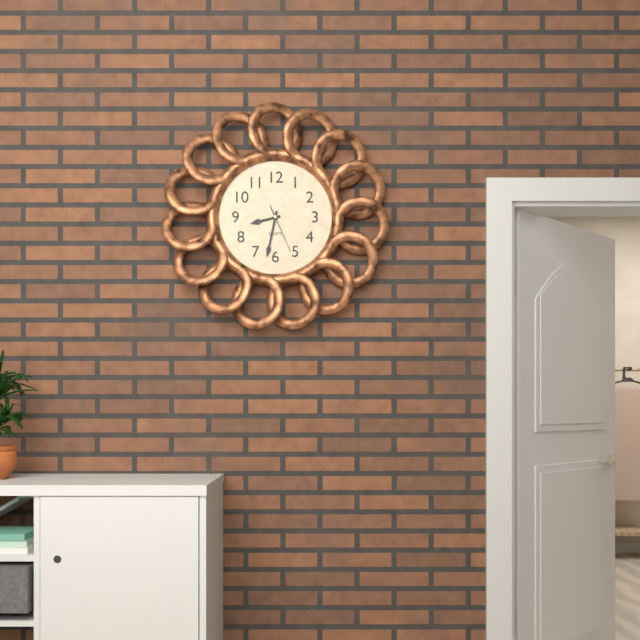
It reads 8:32
